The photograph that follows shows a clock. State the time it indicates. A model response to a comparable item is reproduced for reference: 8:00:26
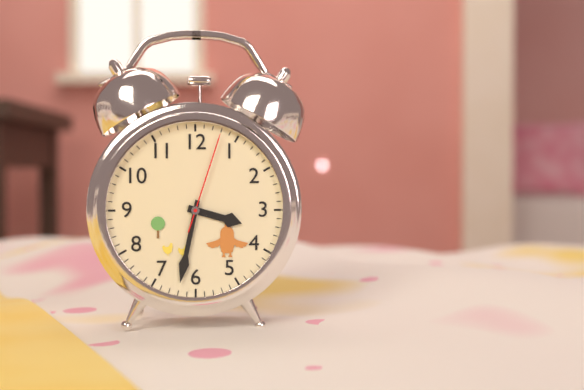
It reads 3:32:03
